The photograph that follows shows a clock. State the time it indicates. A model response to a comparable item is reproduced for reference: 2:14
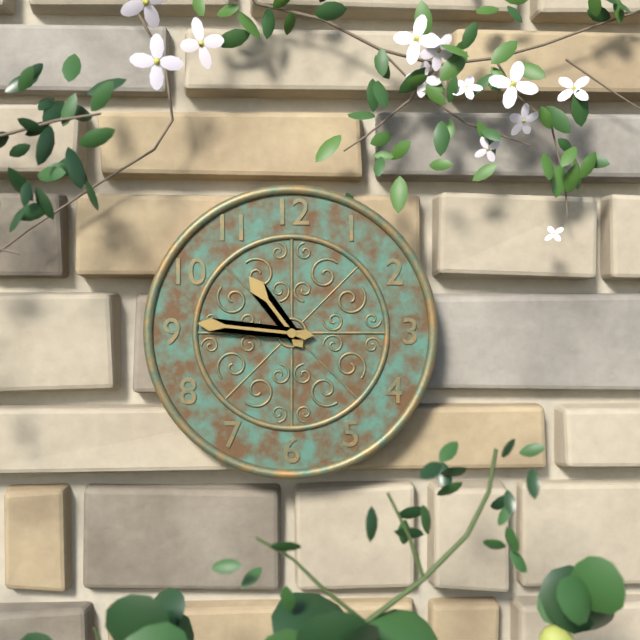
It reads 10:46
